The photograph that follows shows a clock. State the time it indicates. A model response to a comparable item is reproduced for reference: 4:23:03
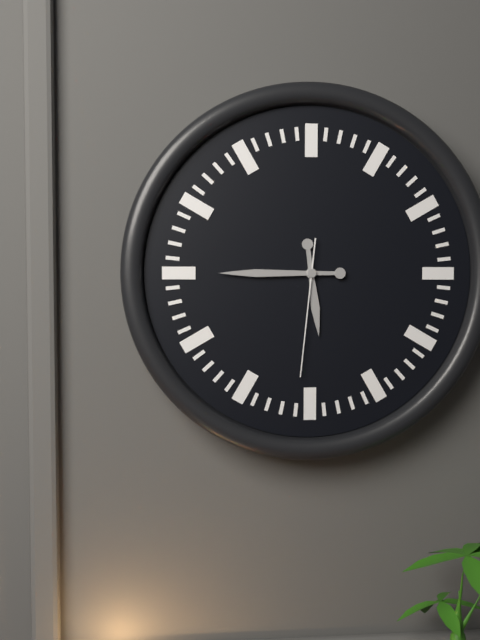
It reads 5:45:31
